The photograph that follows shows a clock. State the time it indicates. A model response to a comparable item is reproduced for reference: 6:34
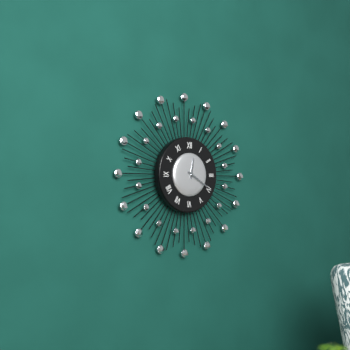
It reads 12:20
